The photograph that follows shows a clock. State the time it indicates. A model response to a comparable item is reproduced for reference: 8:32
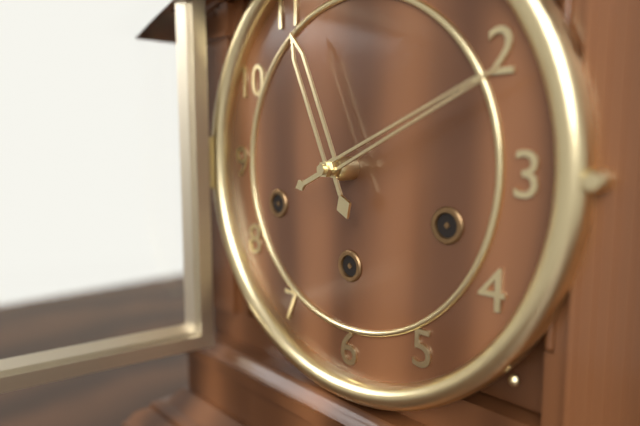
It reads 11:11
